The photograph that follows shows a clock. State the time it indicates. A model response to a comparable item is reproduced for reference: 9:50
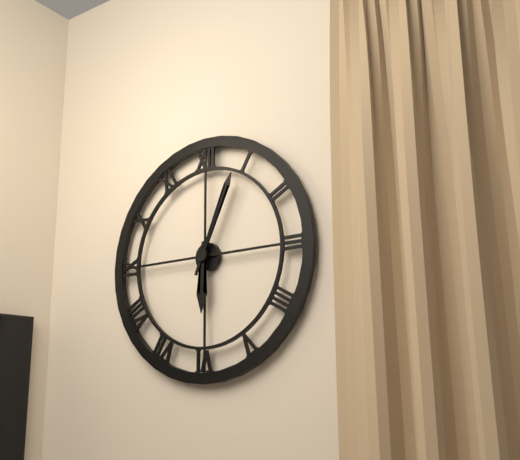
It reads 6:04
